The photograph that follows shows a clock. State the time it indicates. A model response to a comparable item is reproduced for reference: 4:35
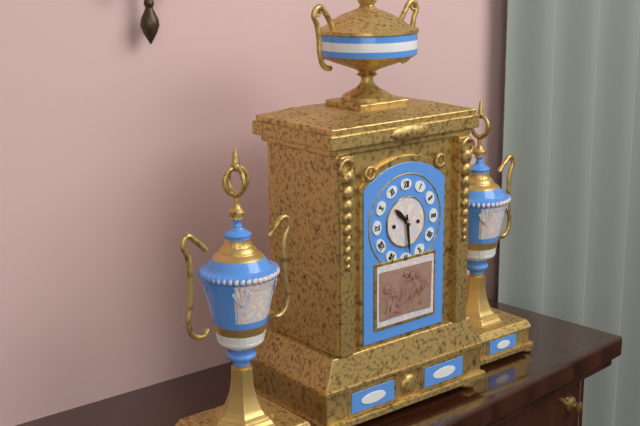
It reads 10:29
